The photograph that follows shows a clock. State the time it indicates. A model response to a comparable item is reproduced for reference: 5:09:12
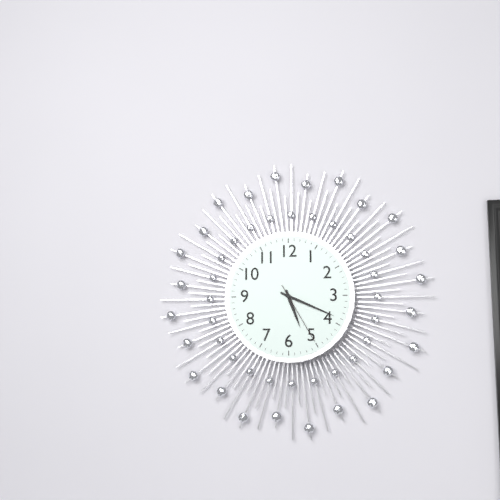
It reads 5:19:25
